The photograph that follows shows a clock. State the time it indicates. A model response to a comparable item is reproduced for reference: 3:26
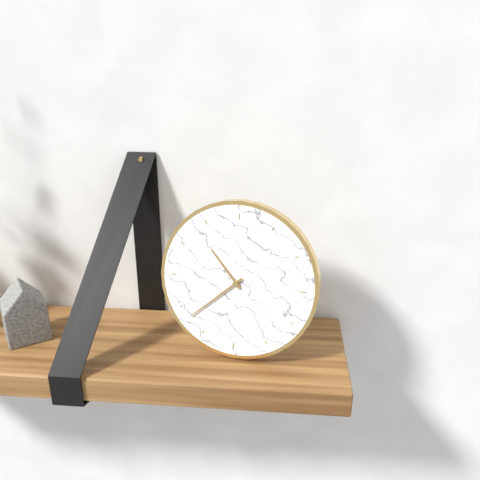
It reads 10:38
